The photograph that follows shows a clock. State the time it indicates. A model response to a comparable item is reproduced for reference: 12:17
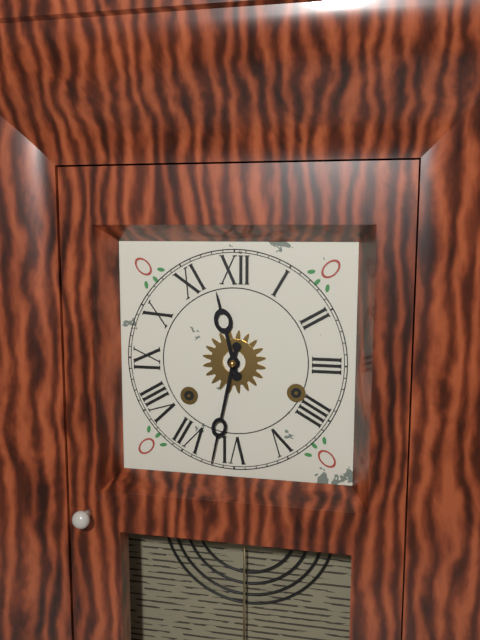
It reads 11:32
